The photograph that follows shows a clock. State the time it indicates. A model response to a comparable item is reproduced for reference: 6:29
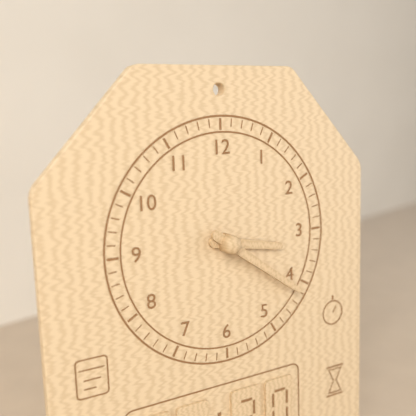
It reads 3:21
